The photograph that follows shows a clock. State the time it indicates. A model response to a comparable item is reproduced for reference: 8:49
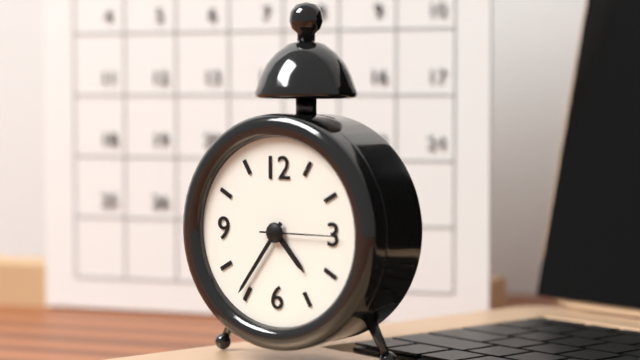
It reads 4:36
